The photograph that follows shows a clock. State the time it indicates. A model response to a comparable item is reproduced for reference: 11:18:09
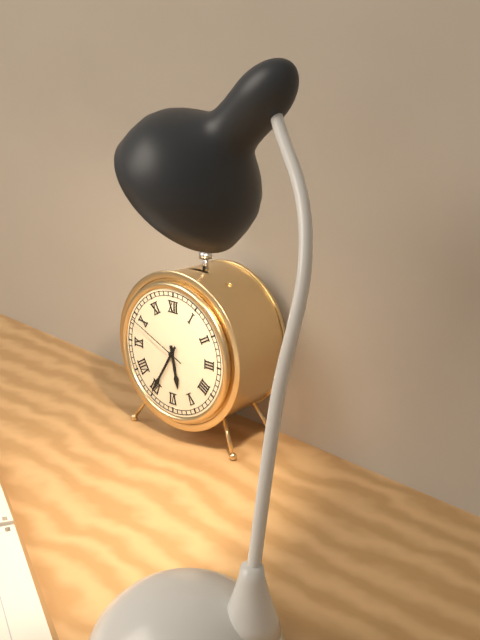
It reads 5:35:49
